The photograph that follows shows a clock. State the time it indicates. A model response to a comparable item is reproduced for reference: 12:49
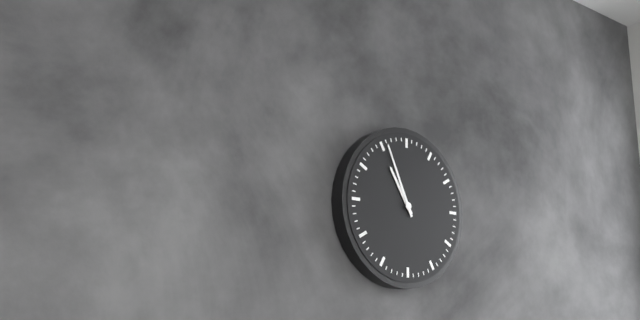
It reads 10:56
